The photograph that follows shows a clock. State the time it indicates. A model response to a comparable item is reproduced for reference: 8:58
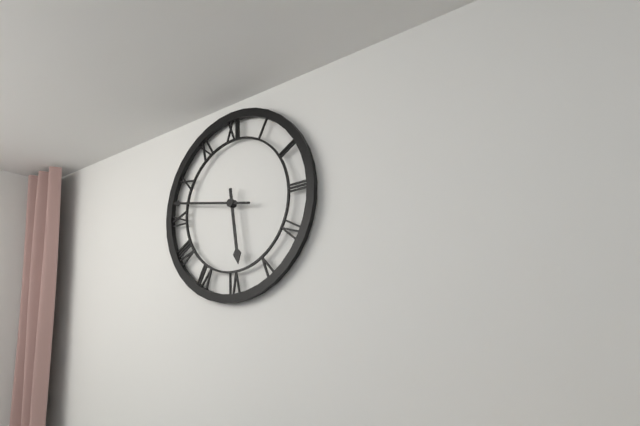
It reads 5:47
